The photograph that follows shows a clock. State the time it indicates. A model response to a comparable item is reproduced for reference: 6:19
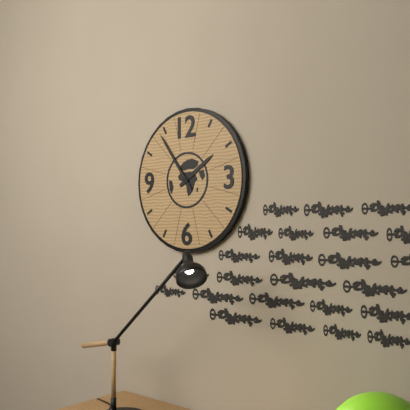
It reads 1:54
